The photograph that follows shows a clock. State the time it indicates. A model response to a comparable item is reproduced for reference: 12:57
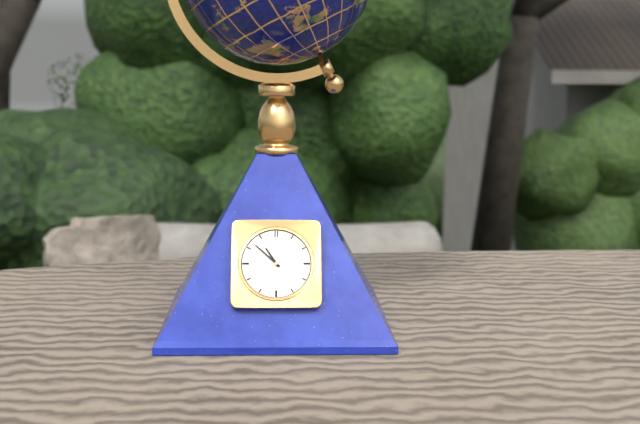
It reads 10:52
